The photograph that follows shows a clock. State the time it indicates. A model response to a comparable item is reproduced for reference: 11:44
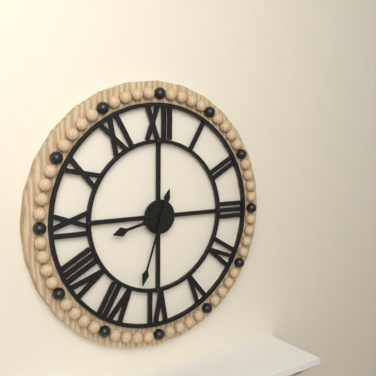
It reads 8:33
